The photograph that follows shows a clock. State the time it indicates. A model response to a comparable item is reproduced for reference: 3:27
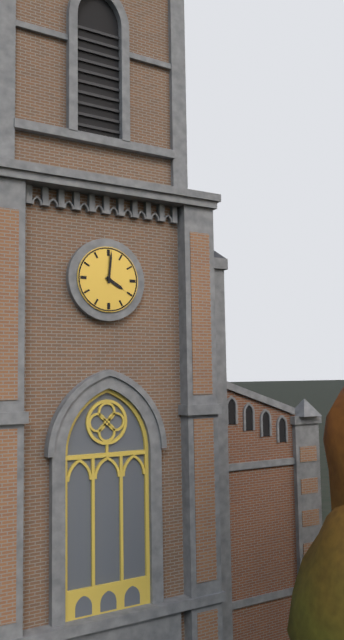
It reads 4:01
